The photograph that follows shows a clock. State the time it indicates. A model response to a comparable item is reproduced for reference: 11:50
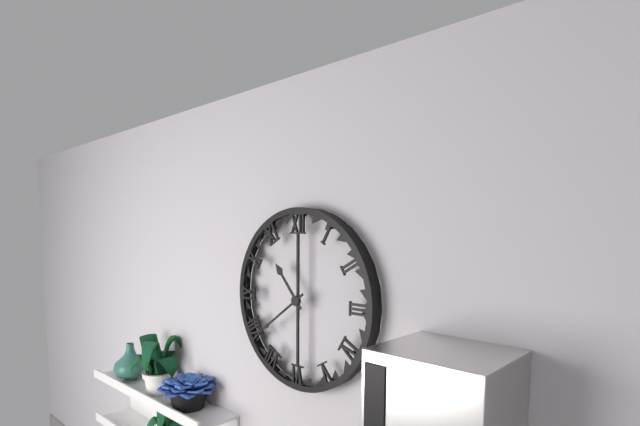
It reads 10:39
